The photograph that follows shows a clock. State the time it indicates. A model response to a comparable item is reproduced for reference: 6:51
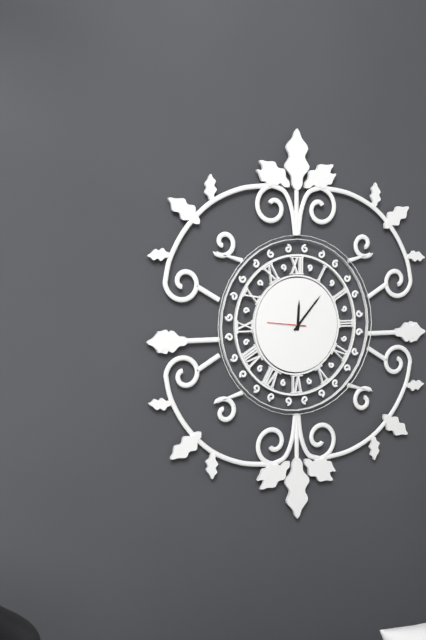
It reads 12:07
